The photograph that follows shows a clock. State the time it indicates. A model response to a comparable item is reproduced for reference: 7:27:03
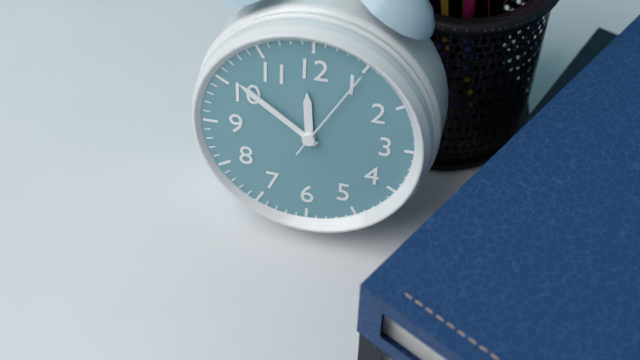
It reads 11:51:05
